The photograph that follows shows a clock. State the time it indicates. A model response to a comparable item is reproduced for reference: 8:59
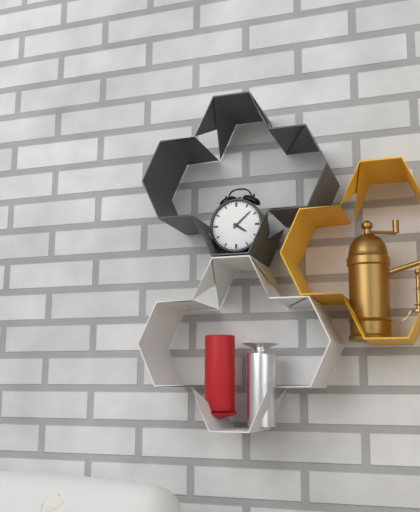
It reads 4:08
